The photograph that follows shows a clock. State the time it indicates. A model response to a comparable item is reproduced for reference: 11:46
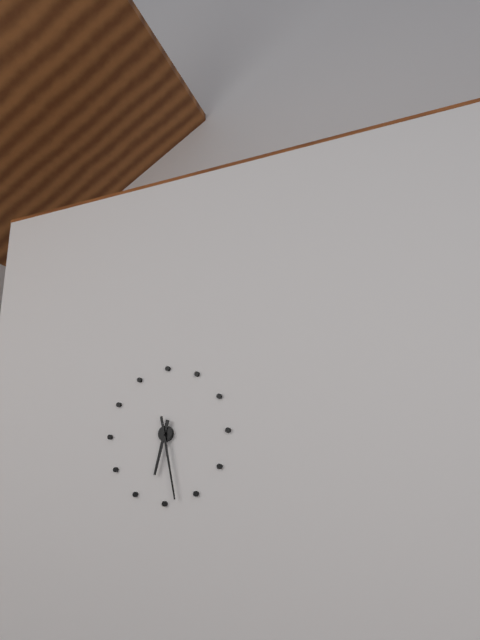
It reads 6:28
